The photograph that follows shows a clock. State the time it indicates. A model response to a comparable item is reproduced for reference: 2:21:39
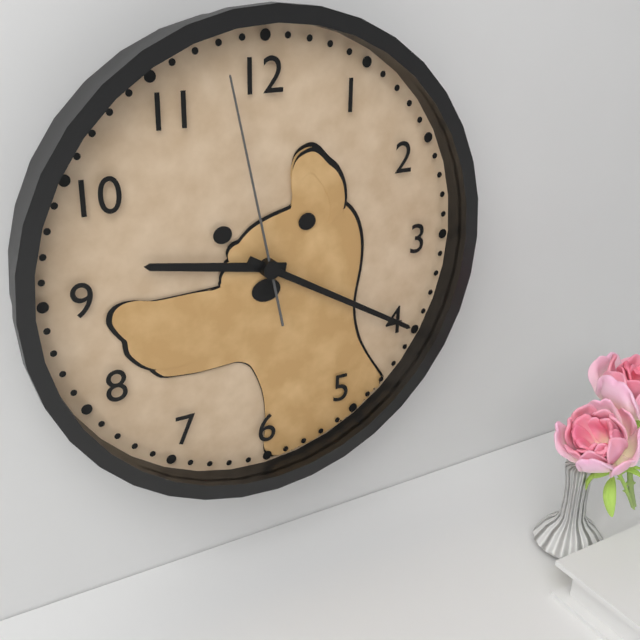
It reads 9:20:58
